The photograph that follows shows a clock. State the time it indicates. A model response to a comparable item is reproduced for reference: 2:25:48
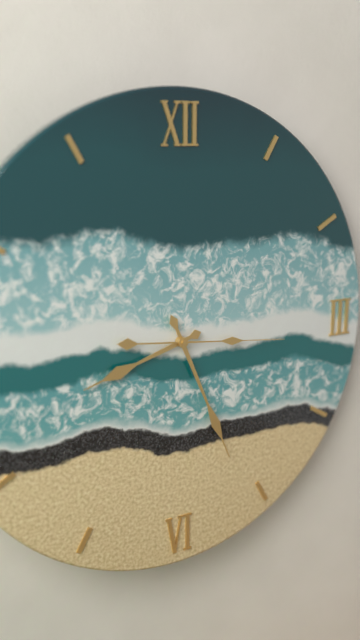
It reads 8:26:16
